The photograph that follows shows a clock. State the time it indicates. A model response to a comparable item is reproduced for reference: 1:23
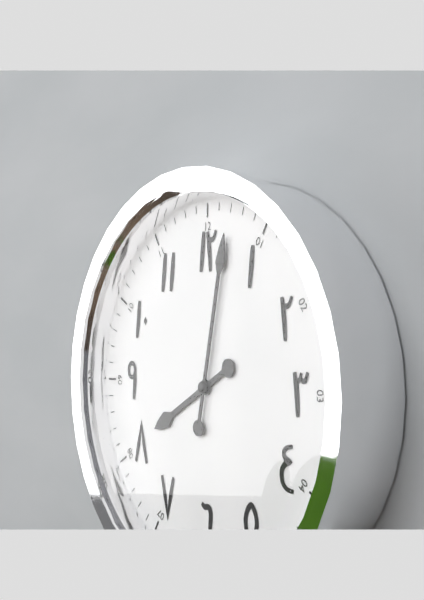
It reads 8:02
